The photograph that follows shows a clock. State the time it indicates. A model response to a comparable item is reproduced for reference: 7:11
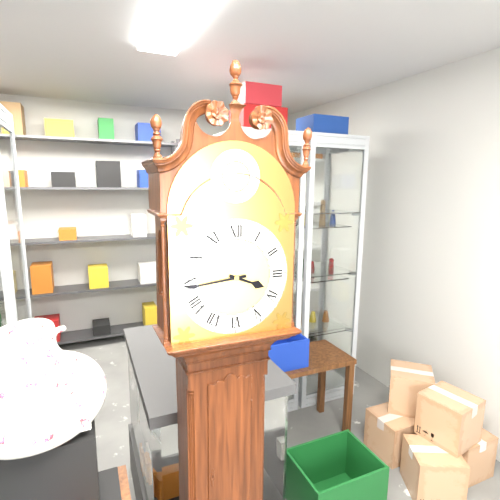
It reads 3:44
